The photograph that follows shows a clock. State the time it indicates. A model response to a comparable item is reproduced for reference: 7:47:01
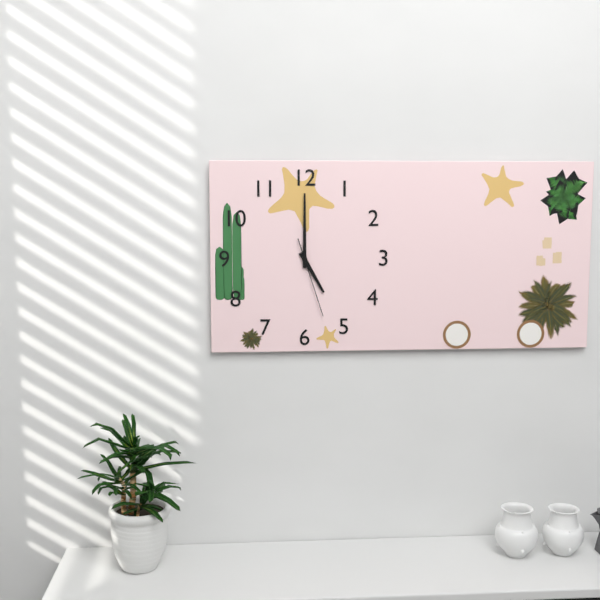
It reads 5:00:27
